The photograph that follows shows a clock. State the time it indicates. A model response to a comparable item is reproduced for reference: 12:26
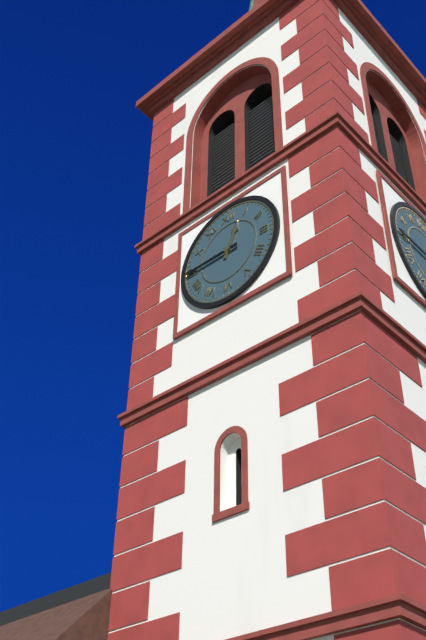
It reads 12:45
